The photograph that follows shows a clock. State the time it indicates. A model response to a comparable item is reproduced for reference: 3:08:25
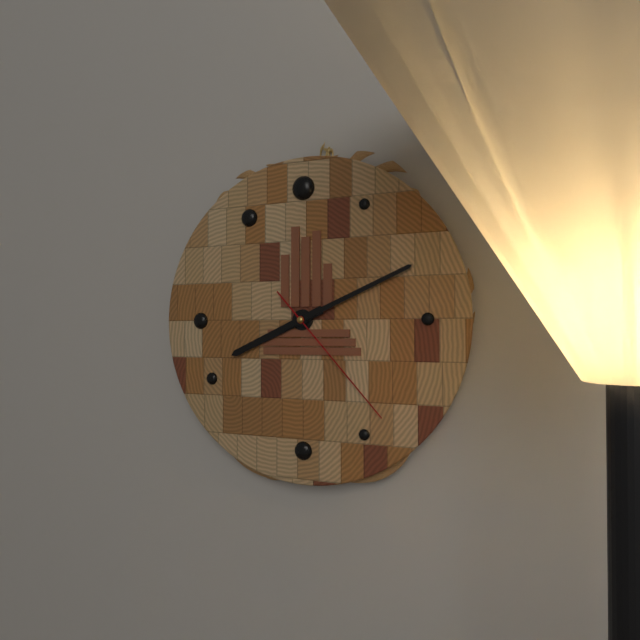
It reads 8:11:23
